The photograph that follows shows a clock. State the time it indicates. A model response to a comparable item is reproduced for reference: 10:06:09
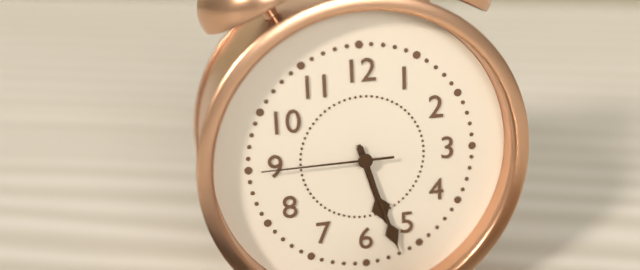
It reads 5:27:45
